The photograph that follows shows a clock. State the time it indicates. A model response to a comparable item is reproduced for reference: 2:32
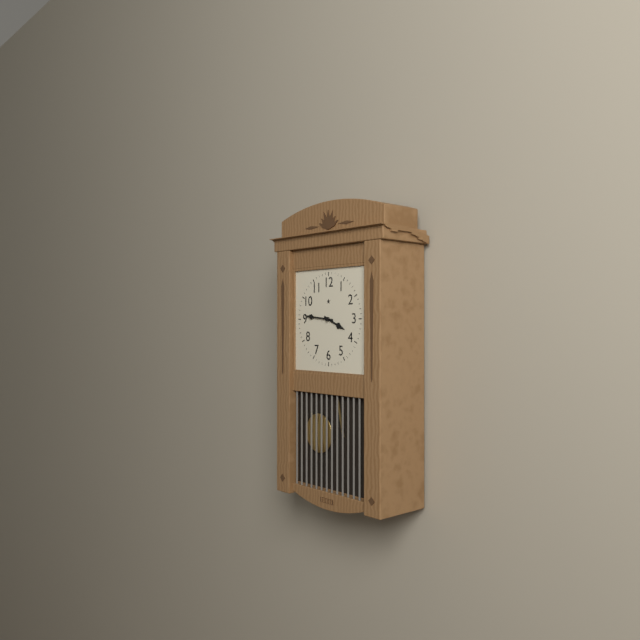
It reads 3:46
